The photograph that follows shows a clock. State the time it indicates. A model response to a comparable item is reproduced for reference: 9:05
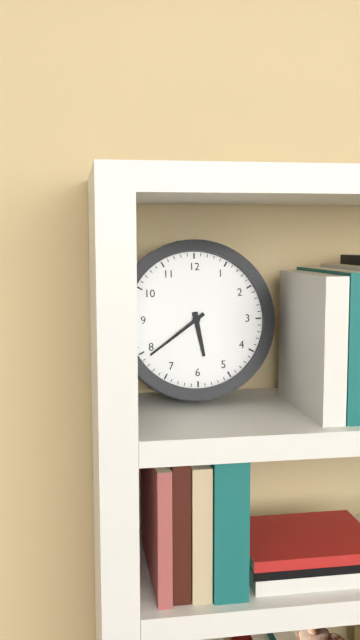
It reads 5:39
